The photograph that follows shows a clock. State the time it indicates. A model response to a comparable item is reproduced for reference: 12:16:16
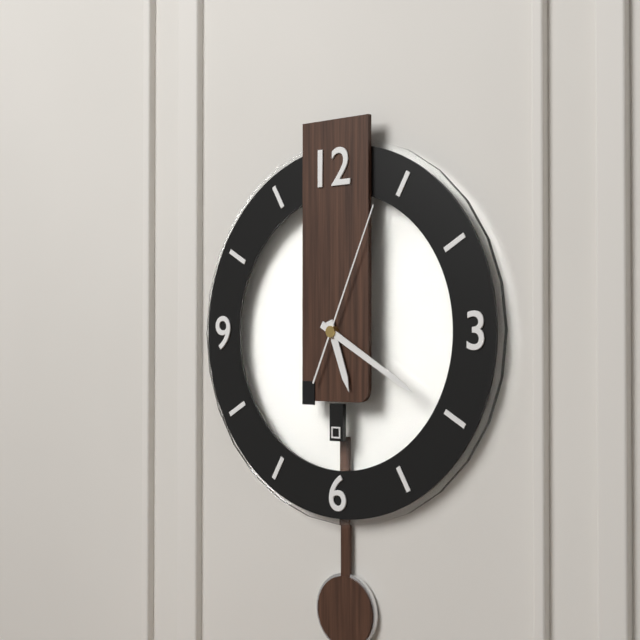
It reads 5:20:04
